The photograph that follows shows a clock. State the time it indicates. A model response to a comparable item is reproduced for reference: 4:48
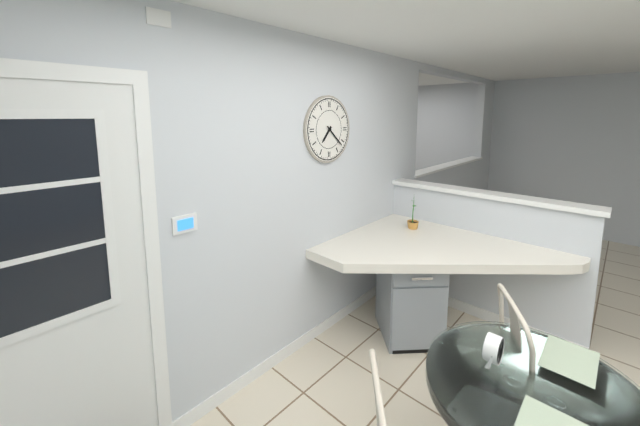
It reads 7:22
